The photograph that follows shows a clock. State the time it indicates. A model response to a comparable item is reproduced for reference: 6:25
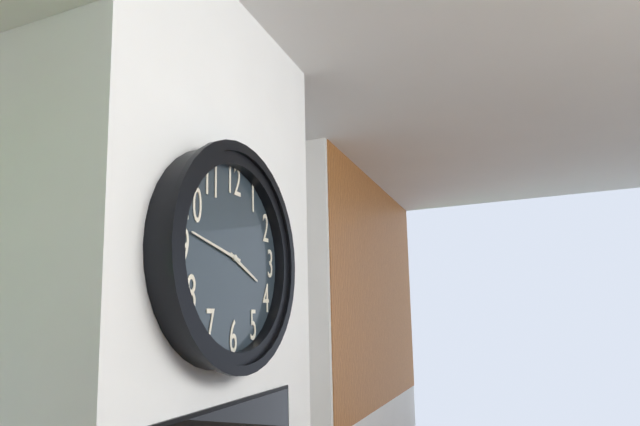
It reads 3:47
